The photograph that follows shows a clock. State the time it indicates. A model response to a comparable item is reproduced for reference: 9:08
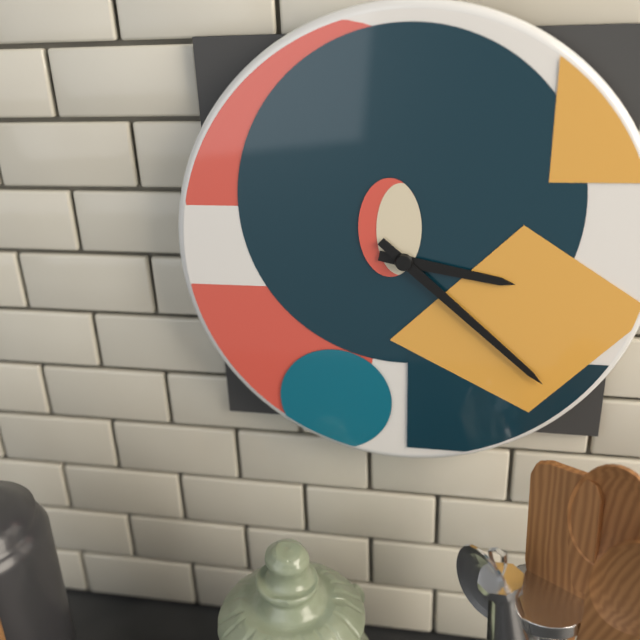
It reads 3:22
